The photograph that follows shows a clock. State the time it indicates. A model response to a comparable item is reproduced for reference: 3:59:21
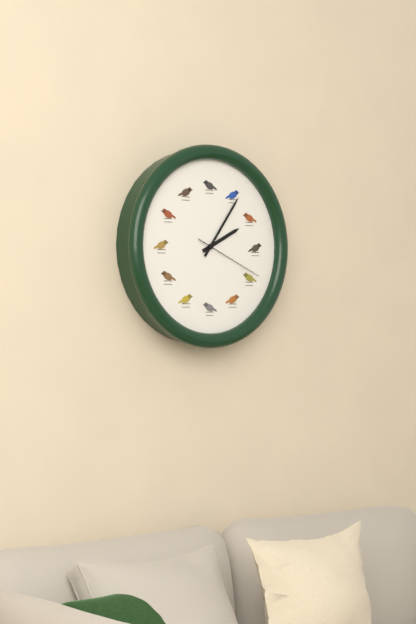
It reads 2:06:19
